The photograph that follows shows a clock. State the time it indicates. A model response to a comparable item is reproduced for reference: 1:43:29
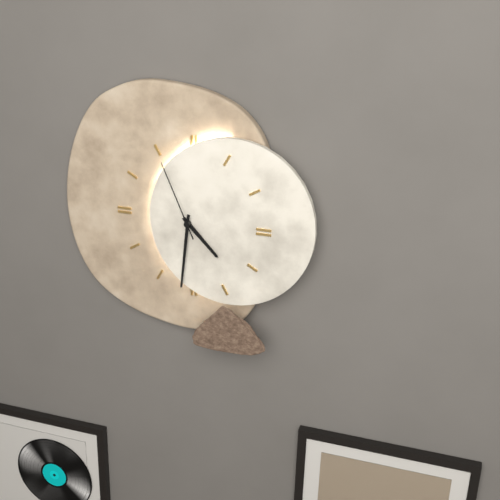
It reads 4:31:56
